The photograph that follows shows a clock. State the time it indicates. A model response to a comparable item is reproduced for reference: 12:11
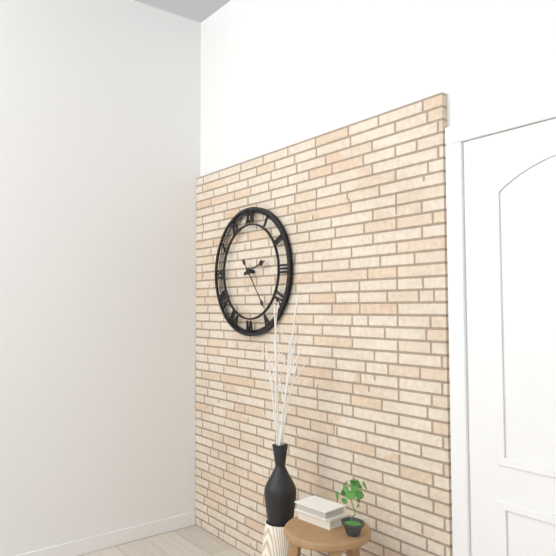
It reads 2:24
